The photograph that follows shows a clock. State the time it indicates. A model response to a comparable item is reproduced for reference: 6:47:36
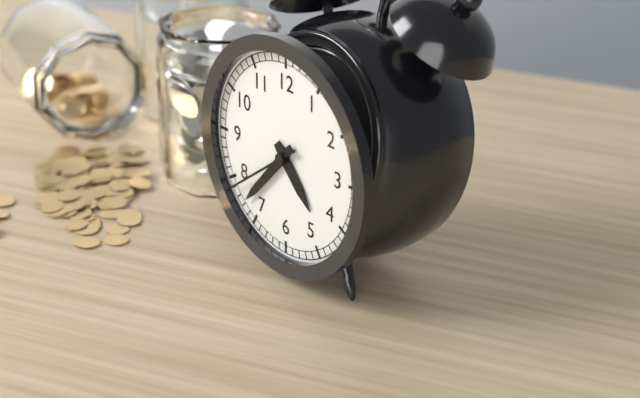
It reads 4:37:39
